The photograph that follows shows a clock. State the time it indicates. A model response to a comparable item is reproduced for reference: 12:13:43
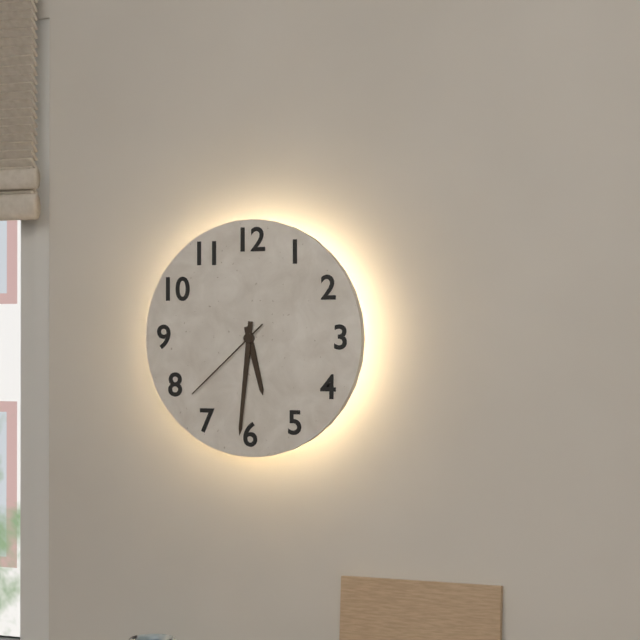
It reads 5:31:38
